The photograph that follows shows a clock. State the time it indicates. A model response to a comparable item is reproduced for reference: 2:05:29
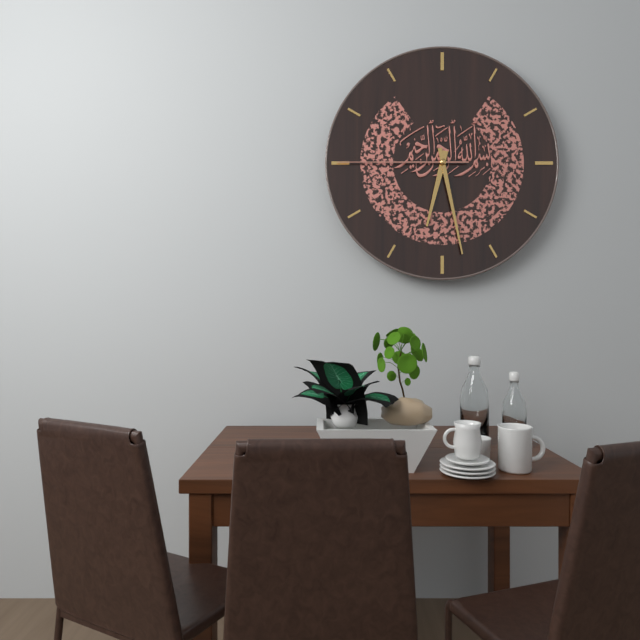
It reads 6:28:45
